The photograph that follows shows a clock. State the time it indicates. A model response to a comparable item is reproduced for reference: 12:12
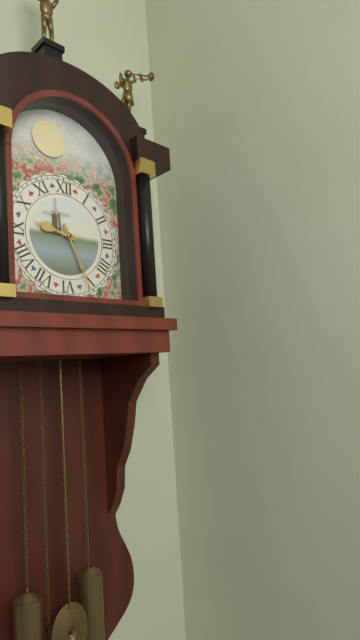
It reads 9:26
